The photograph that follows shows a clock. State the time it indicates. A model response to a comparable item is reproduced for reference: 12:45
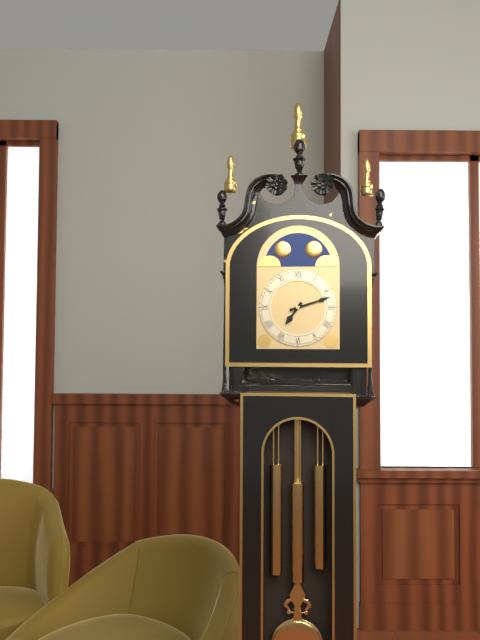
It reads 7:12
